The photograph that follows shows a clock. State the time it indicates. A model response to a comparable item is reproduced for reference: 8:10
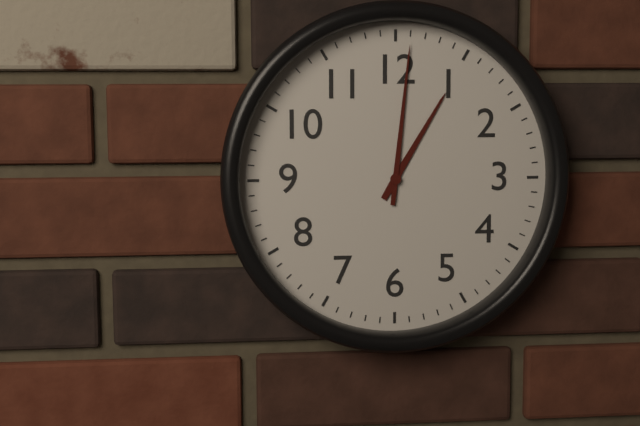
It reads 1:01
